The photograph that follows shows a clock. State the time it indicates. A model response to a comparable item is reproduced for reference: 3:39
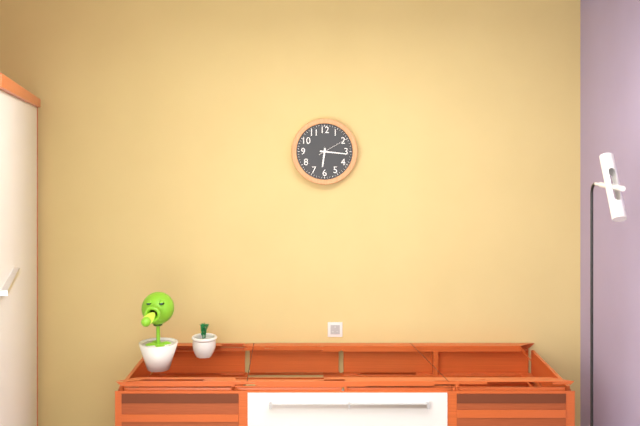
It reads 6:16
